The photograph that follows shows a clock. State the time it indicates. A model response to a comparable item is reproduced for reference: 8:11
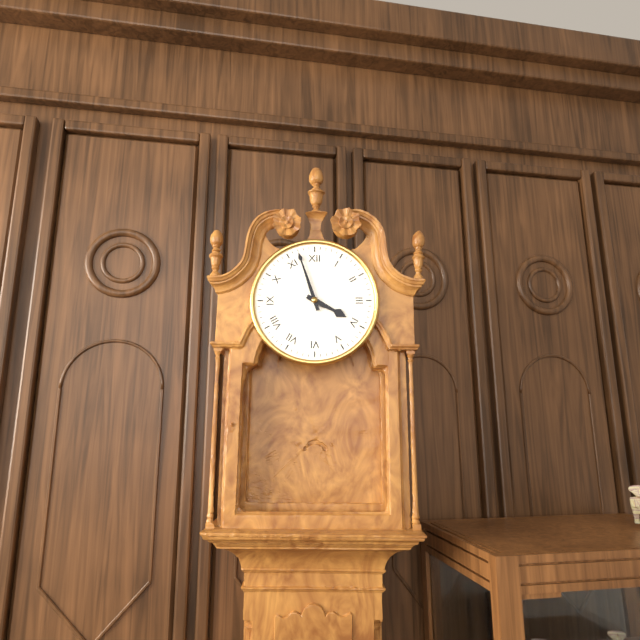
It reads 3:57
